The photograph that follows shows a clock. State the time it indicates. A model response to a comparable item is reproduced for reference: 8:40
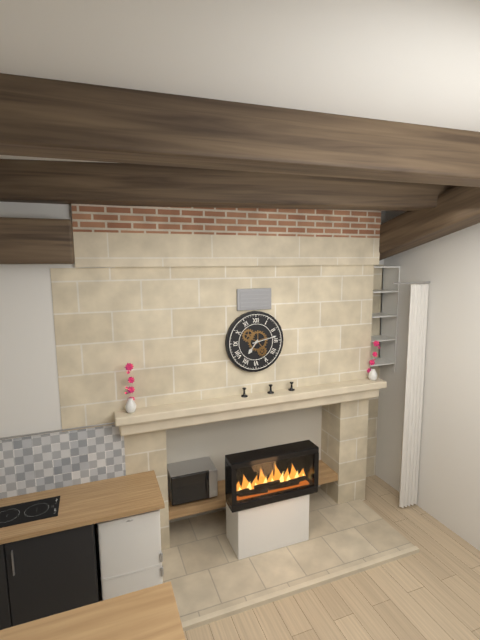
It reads 7:13
